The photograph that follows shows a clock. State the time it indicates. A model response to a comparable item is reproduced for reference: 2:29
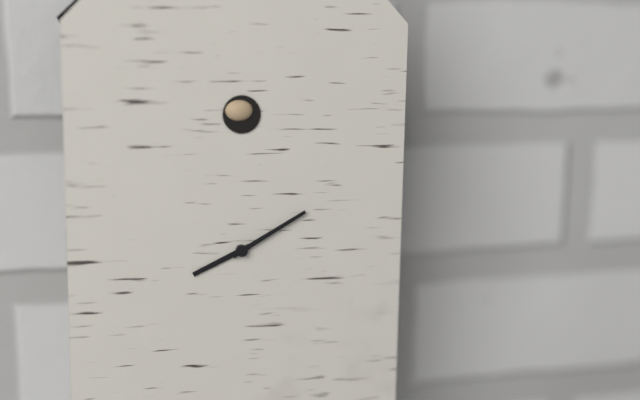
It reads 8:10
